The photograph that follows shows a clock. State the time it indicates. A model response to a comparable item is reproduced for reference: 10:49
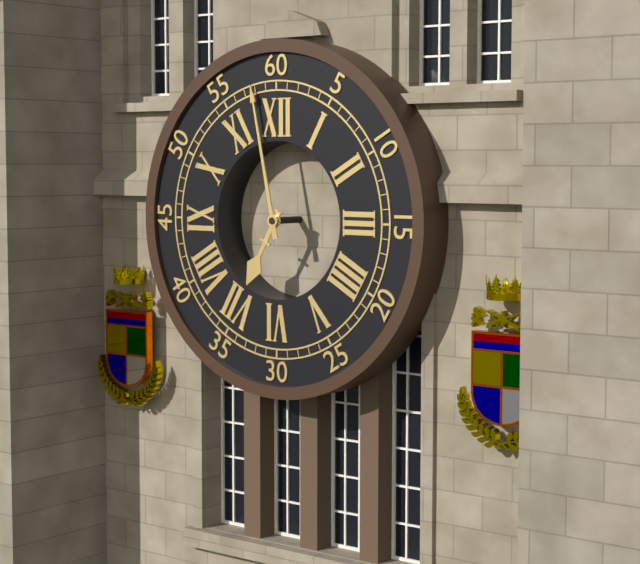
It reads 6:58
